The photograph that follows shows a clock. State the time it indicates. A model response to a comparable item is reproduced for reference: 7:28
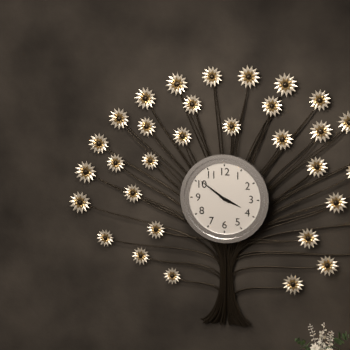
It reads 3:51
